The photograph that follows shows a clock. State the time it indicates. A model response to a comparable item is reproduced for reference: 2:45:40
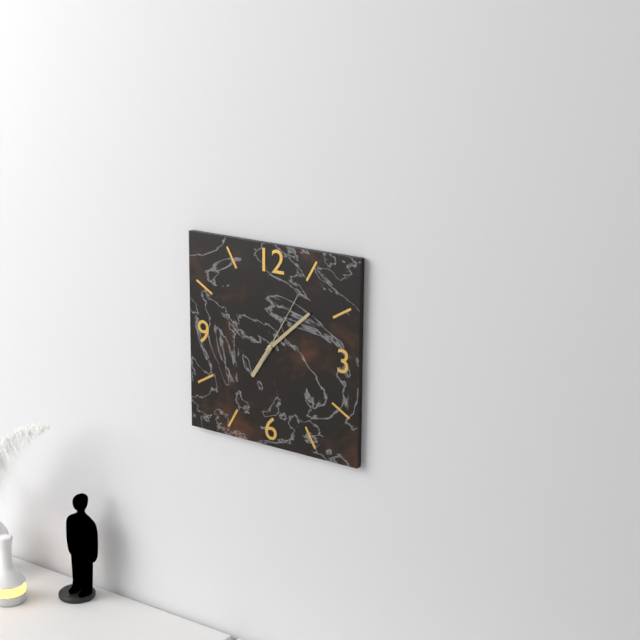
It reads 7:08:05
